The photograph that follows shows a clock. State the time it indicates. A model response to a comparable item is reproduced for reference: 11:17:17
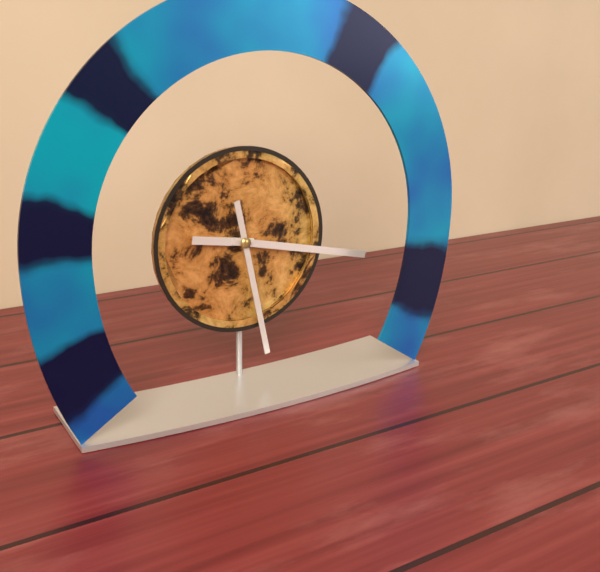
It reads 9:17:28
